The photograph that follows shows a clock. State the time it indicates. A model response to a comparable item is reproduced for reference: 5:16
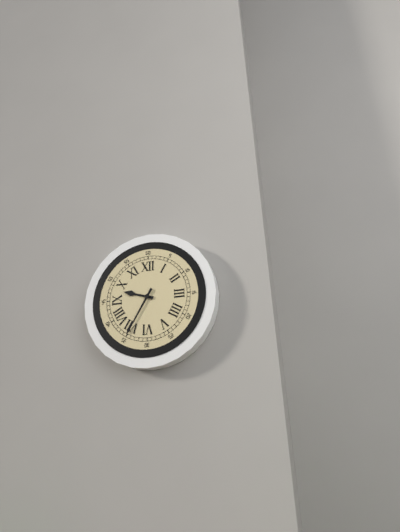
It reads 9:35
